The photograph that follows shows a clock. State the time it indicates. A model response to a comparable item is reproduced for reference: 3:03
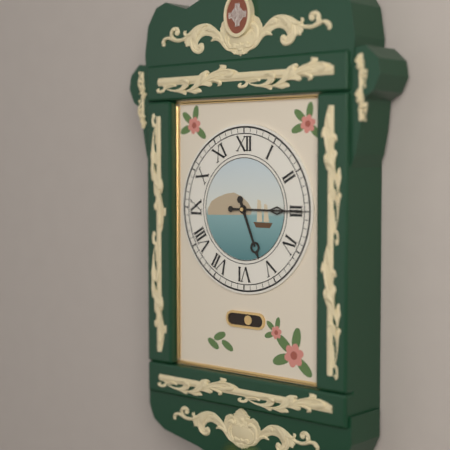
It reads 5:15
